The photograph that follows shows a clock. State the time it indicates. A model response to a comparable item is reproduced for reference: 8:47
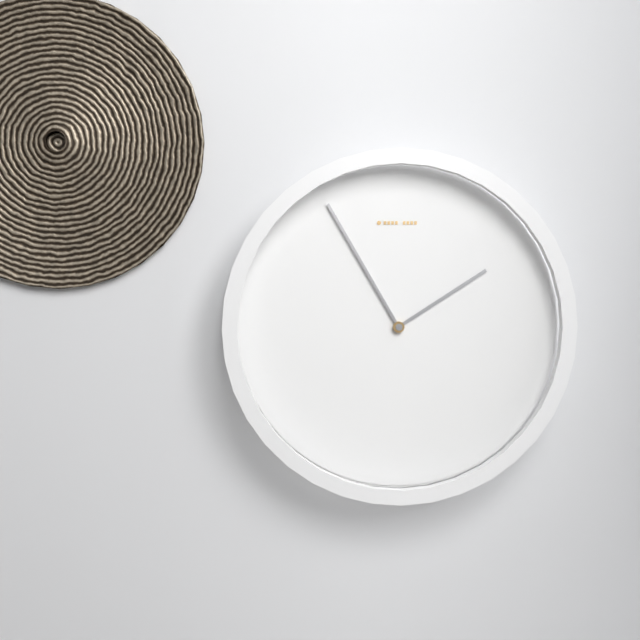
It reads 1:55
